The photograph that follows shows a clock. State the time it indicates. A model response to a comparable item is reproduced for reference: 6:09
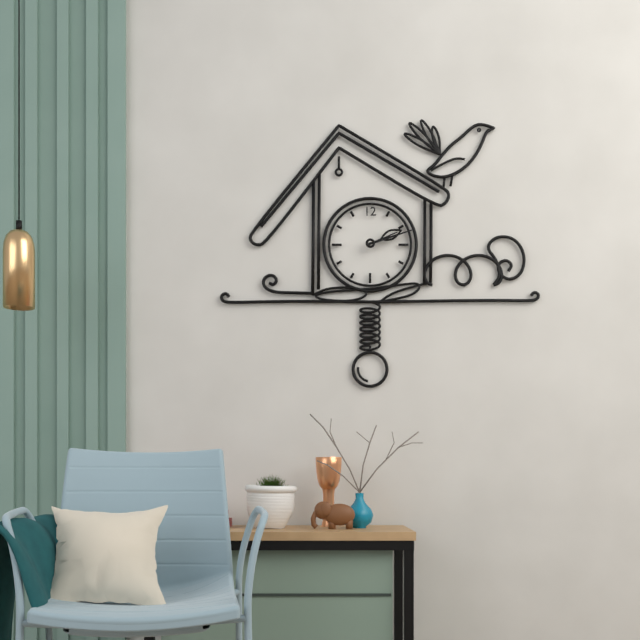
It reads 2:12
